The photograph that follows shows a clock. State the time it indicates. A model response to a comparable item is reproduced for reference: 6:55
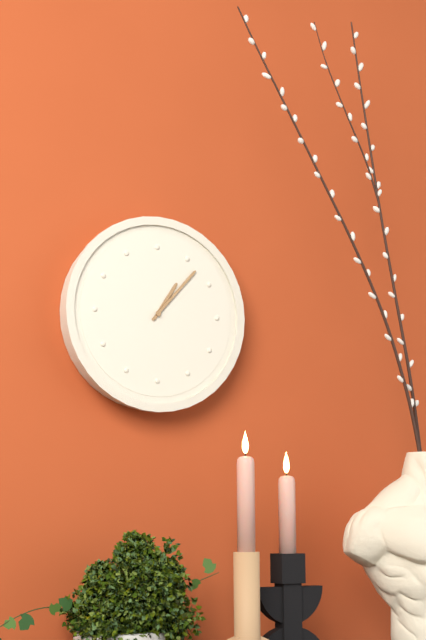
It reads 1:07
